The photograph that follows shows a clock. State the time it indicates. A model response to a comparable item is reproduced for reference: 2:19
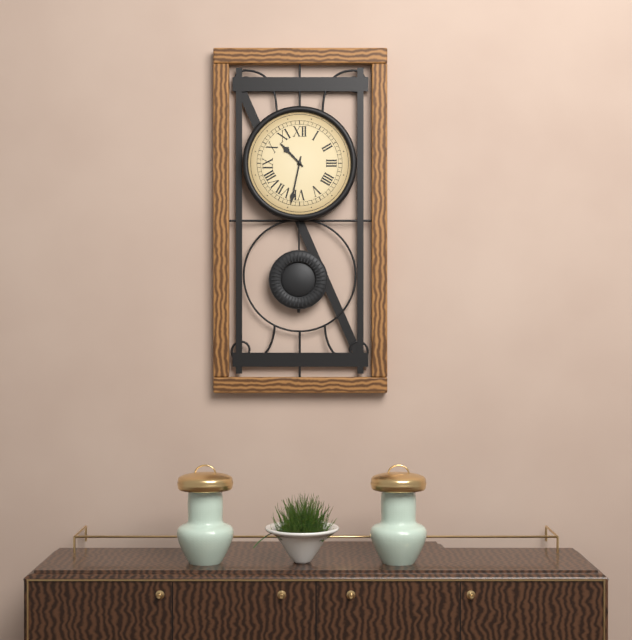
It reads 10:32
